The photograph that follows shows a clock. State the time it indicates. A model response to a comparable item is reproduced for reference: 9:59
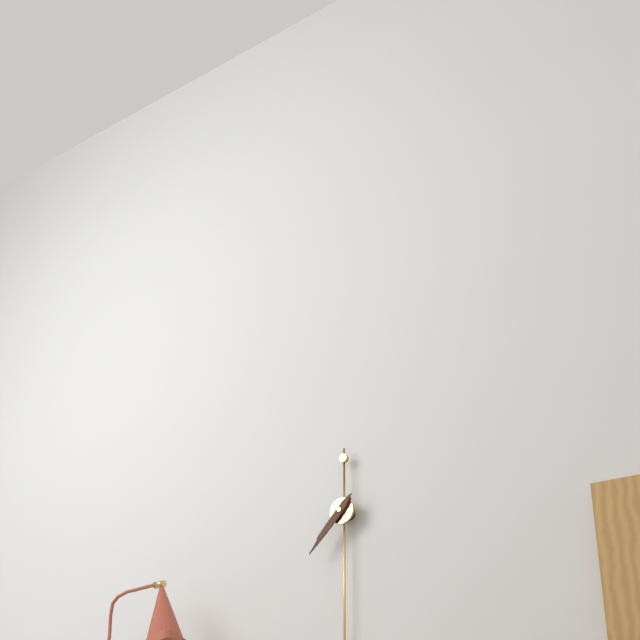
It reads 7:37
